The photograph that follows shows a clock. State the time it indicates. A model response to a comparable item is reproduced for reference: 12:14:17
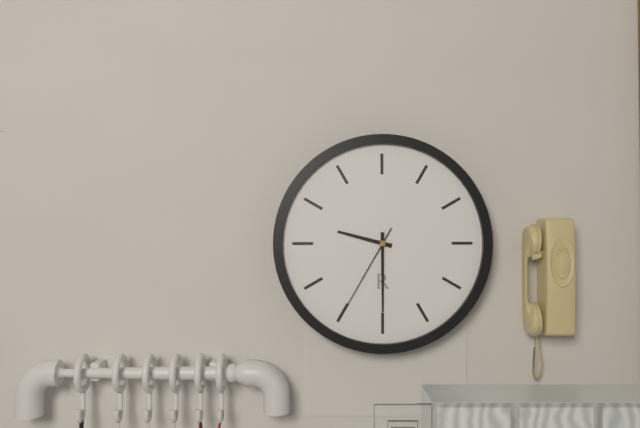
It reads 9:30:35
